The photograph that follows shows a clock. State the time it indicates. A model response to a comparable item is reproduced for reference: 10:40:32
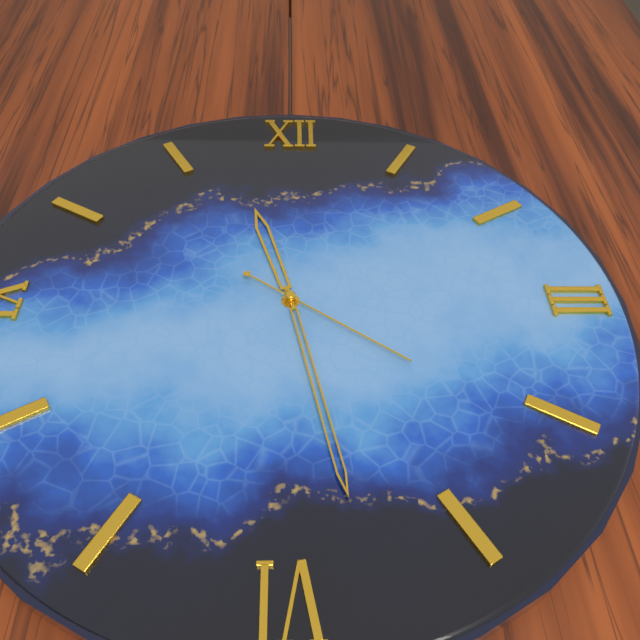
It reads 11:28:21
